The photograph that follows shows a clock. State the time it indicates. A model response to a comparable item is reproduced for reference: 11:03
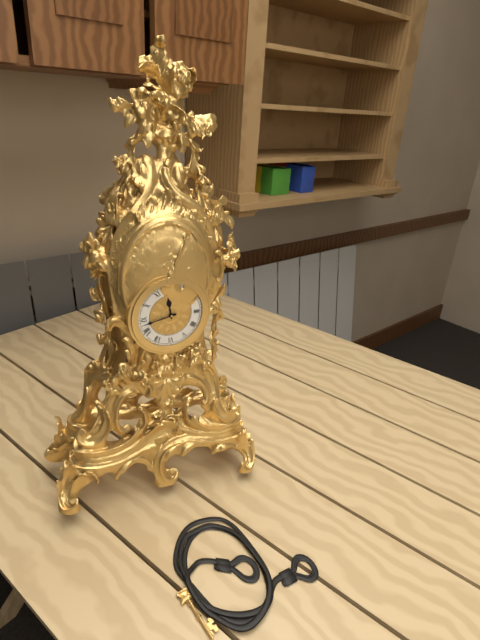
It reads 11:43
